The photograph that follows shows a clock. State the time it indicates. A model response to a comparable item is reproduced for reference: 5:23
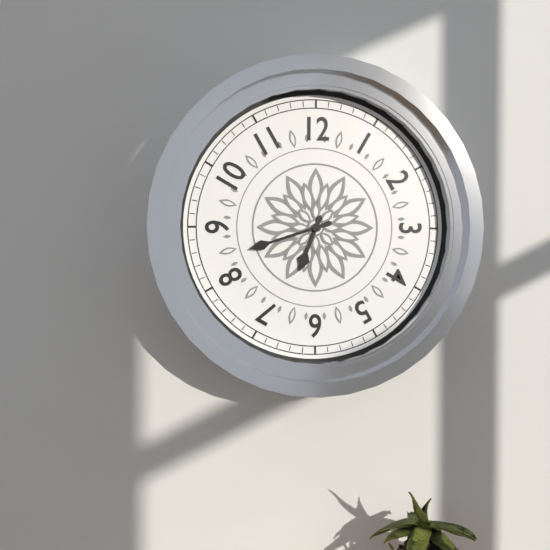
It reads 6:42
